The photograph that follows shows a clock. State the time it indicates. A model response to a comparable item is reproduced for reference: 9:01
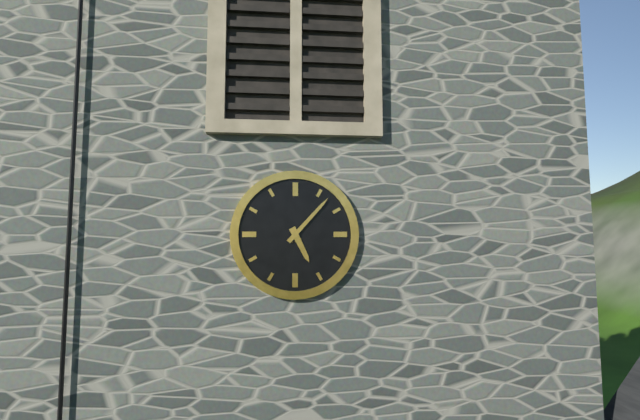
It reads 5:07
